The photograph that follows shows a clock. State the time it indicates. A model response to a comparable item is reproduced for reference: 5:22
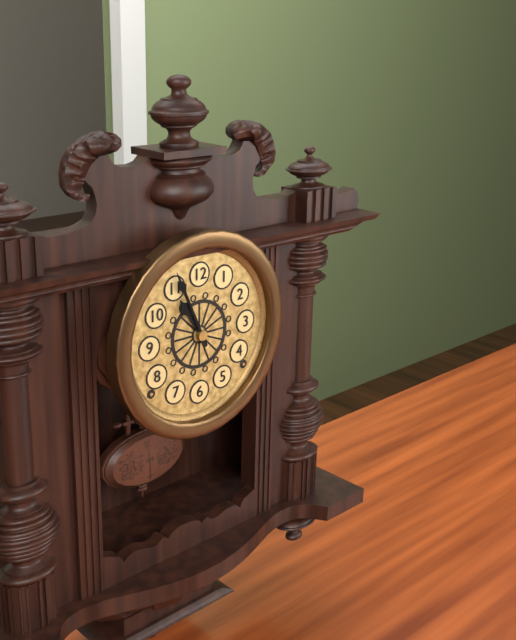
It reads 10:56
